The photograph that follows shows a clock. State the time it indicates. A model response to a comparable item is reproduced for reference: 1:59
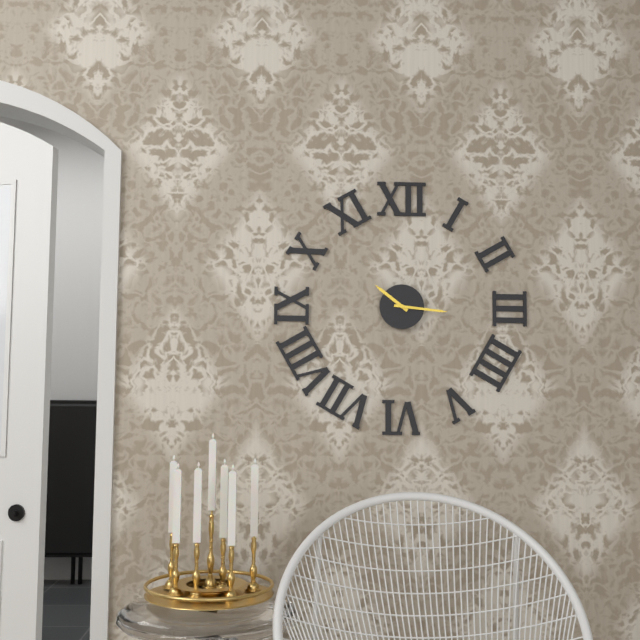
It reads 10:16
